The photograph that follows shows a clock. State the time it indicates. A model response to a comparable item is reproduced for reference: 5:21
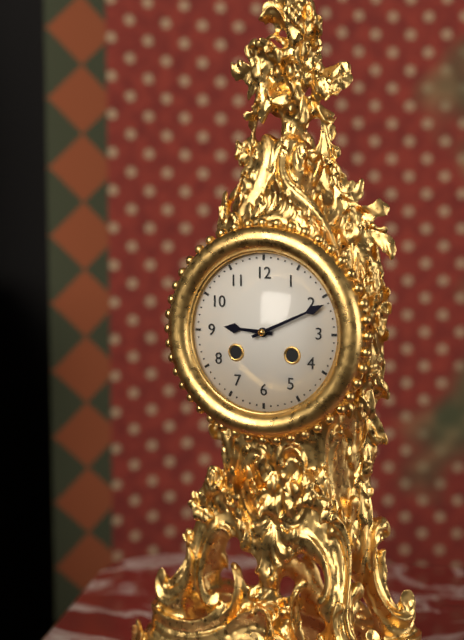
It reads 9:11
